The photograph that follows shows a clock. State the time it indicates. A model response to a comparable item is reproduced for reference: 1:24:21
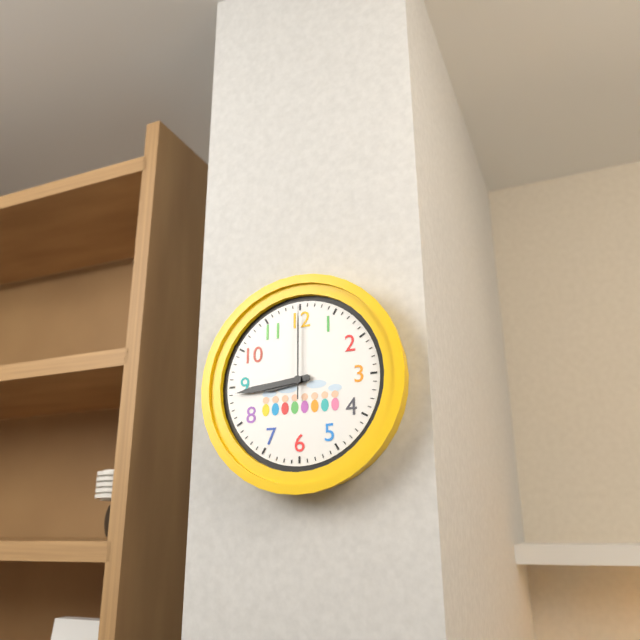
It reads 8:44:00
